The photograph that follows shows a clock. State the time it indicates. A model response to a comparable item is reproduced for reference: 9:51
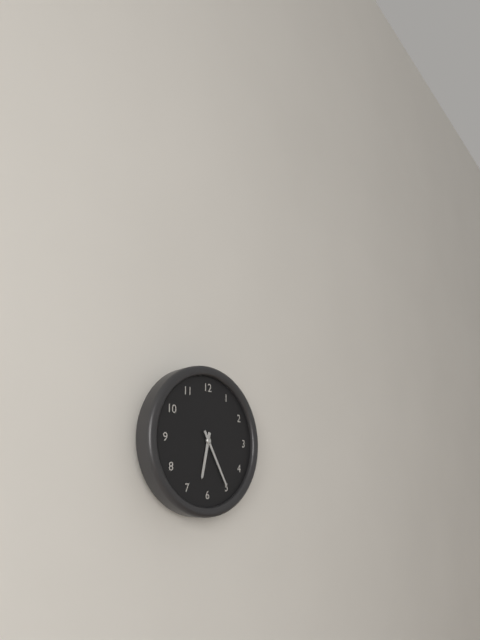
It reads 6:25
